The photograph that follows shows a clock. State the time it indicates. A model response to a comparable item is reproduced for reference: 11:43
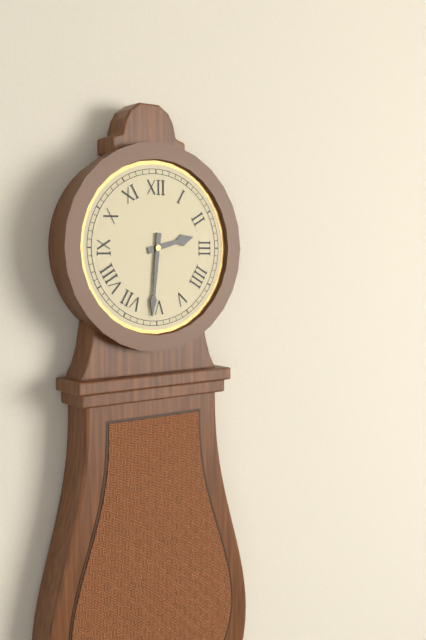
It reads 2:31
